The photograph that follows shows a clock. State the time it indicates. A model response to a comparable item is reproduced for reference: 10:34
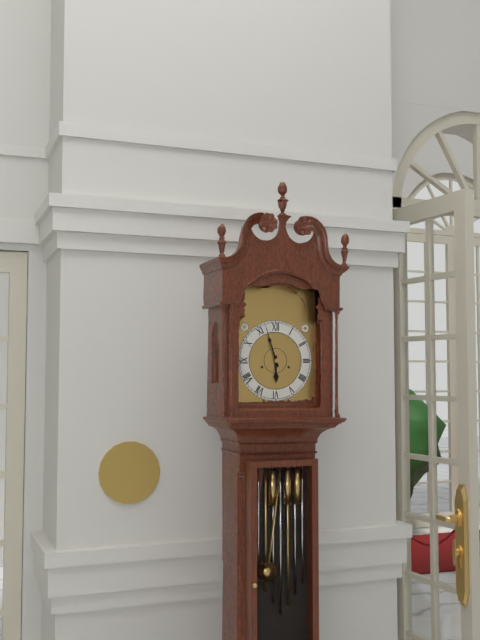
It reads 5:57
